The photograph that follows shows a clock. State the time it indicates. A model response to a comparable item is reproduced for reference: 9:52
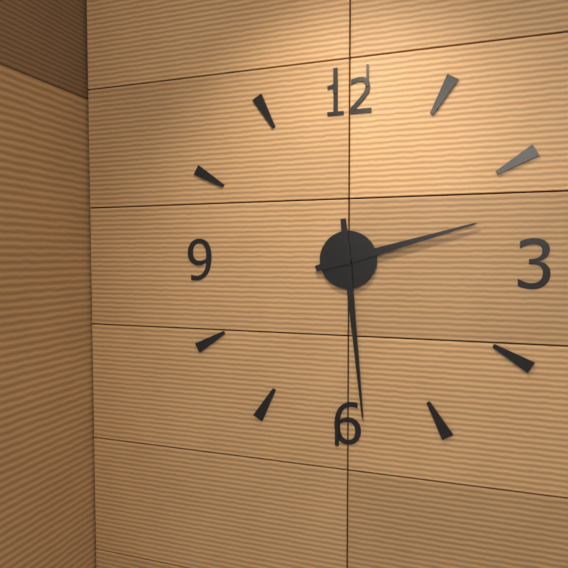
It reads 2:29
